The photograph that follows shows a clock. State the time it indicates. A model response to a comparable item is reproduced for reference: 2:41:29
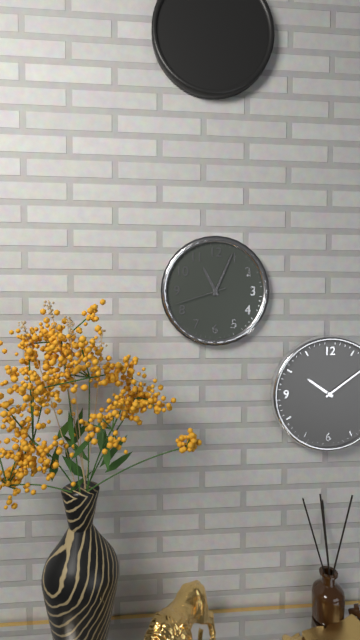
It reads 11:04:42
